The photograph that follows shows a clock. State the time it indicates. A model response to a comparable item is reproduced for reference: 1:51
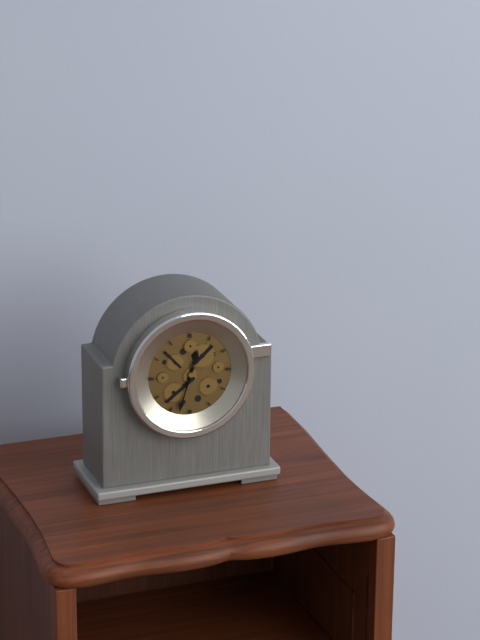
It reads 12:33
